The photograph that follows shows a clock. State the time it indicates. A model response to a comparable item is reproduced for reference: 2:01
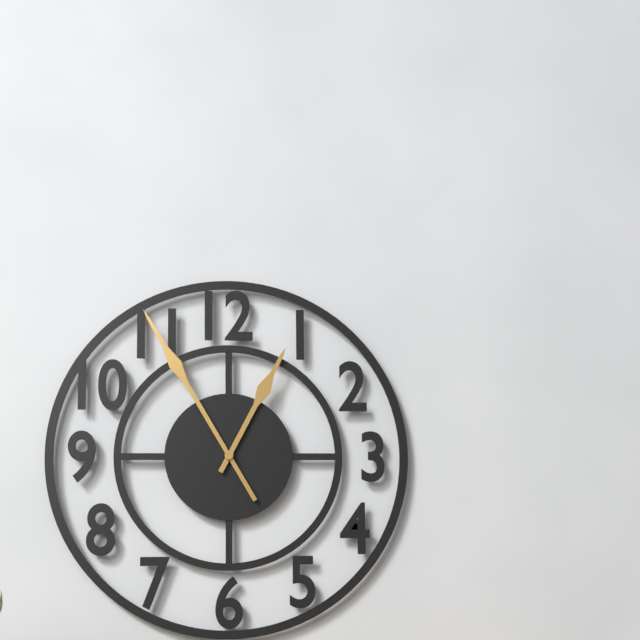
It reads 12:55
